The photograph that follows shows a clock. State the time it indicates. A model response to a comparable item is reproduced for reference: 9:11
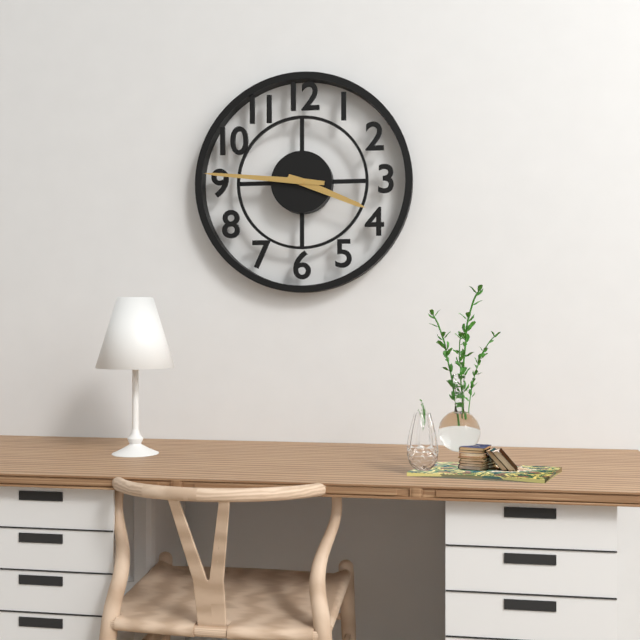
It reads 3:46
